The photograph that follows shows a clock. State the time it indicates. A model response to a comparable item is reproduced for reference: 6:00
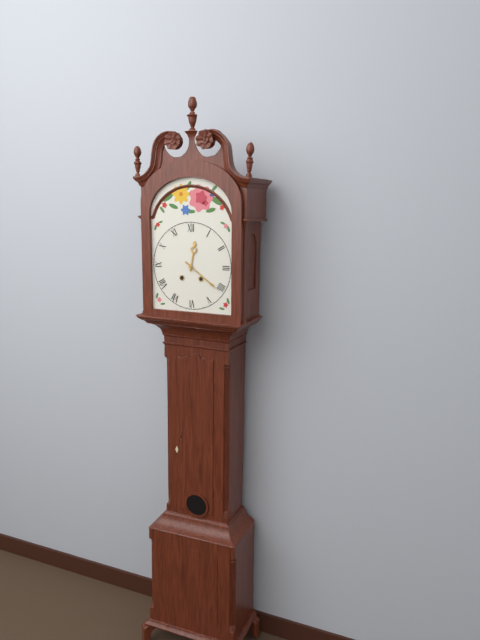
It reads 12:21
